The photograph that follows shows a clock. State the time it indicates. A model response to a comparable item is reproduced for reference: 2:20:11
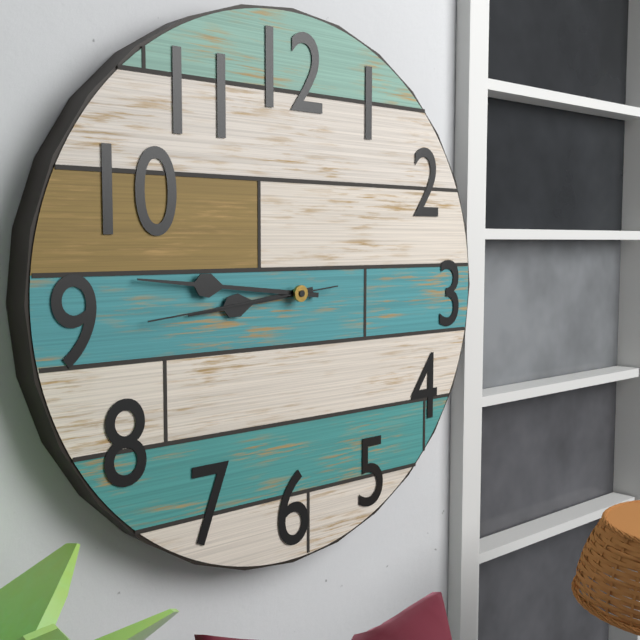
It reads 8:46:44
